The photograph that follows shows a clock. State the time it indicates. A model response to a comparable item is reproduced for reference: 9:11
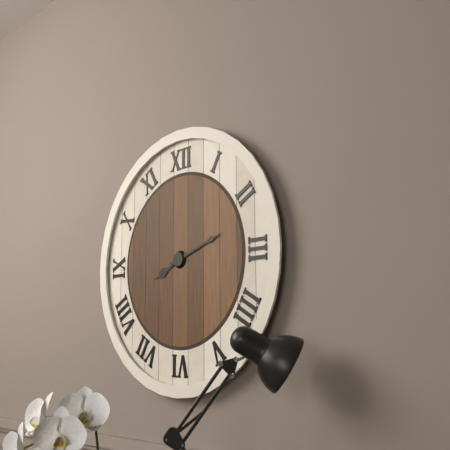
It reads 8:12
